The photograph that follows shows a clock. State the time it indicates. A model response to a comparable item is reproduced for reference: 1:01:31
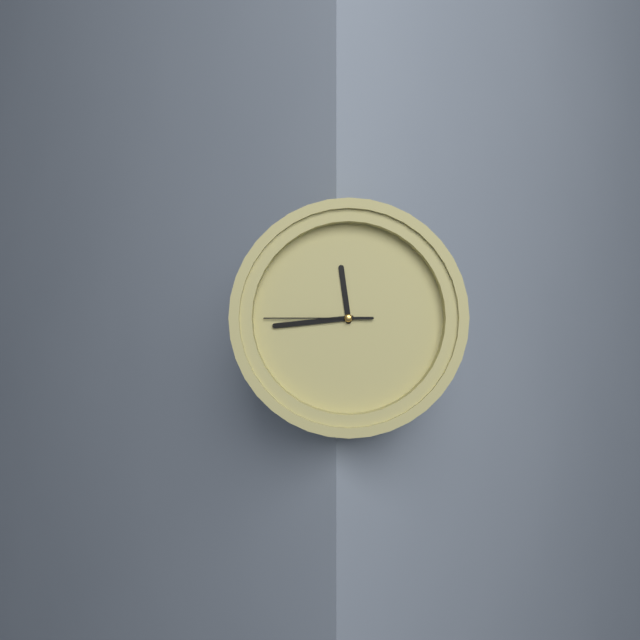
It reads 11:44:45
